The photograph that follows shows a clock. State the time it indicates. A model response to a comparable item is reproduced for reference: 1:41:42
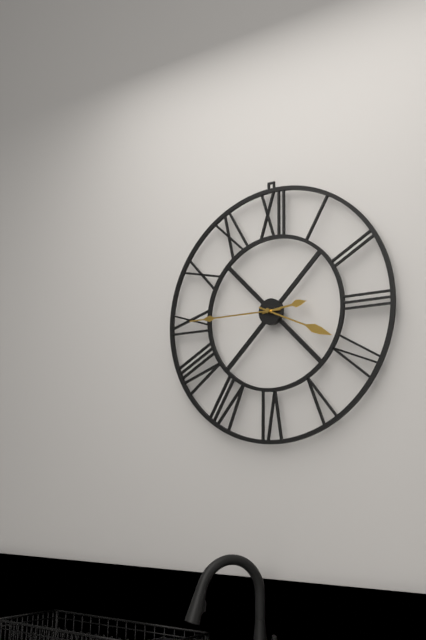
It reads 2:45:19
